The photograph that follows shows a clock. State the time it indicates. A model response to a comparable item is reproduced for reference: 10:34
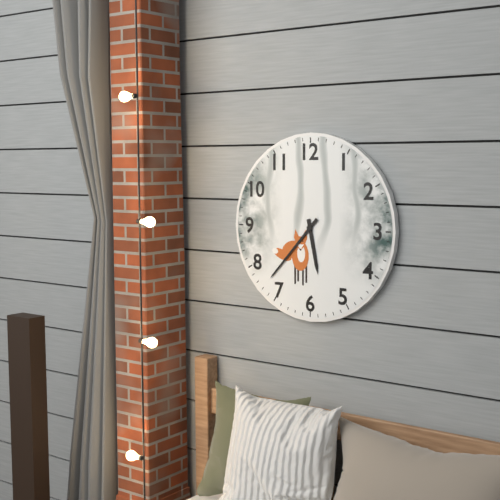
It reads 5:37
